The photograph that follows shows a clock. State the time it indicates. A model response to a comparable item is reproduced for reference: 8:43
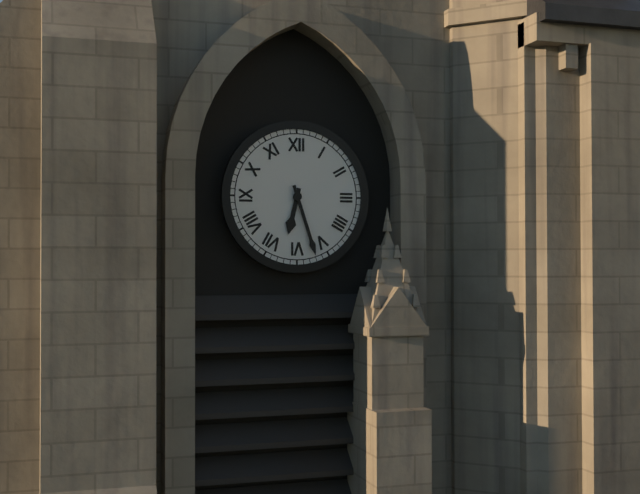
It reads 6:27
